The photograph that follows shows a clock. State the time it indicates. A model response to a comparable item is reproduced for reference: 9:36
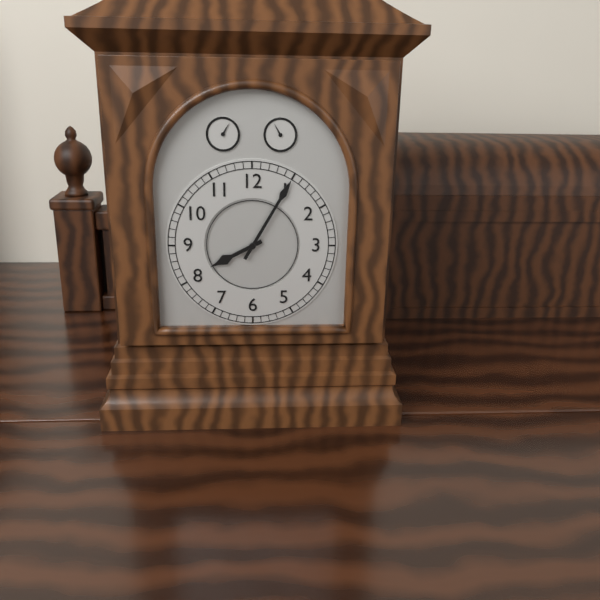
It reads 8:05
